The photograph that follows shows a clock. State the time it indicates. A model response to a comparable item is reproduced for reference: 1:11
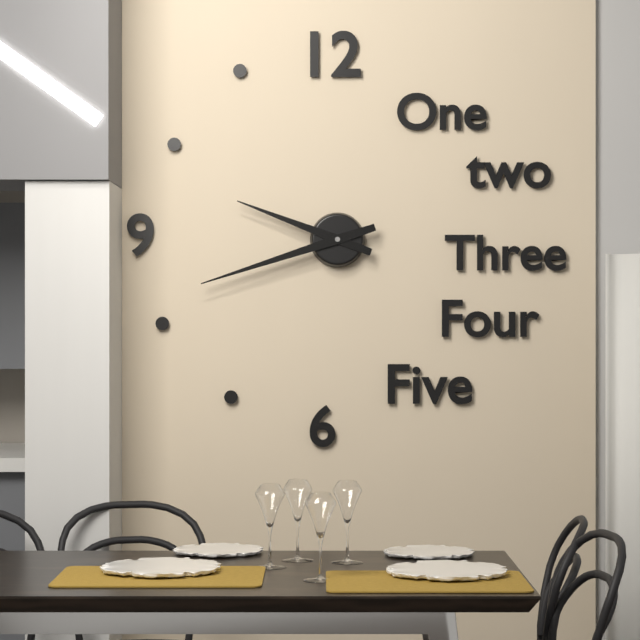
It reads 9:42
